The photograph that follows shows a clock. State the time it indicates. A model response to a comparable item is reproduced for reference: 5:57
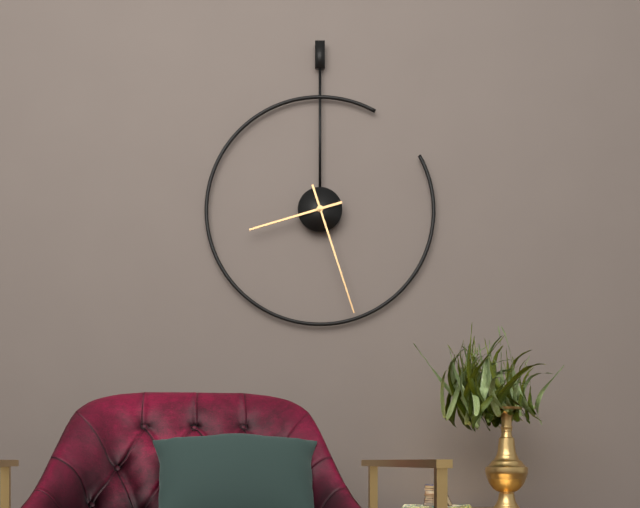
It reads 8:27
